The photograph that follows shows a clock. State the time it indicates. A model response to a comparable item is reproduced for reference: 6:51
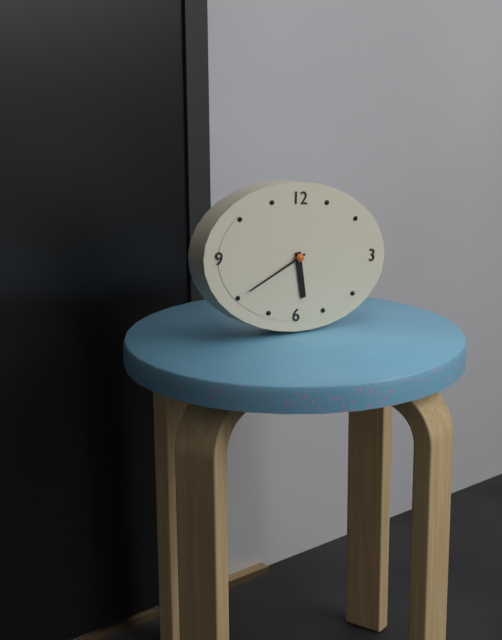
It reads 5:40
